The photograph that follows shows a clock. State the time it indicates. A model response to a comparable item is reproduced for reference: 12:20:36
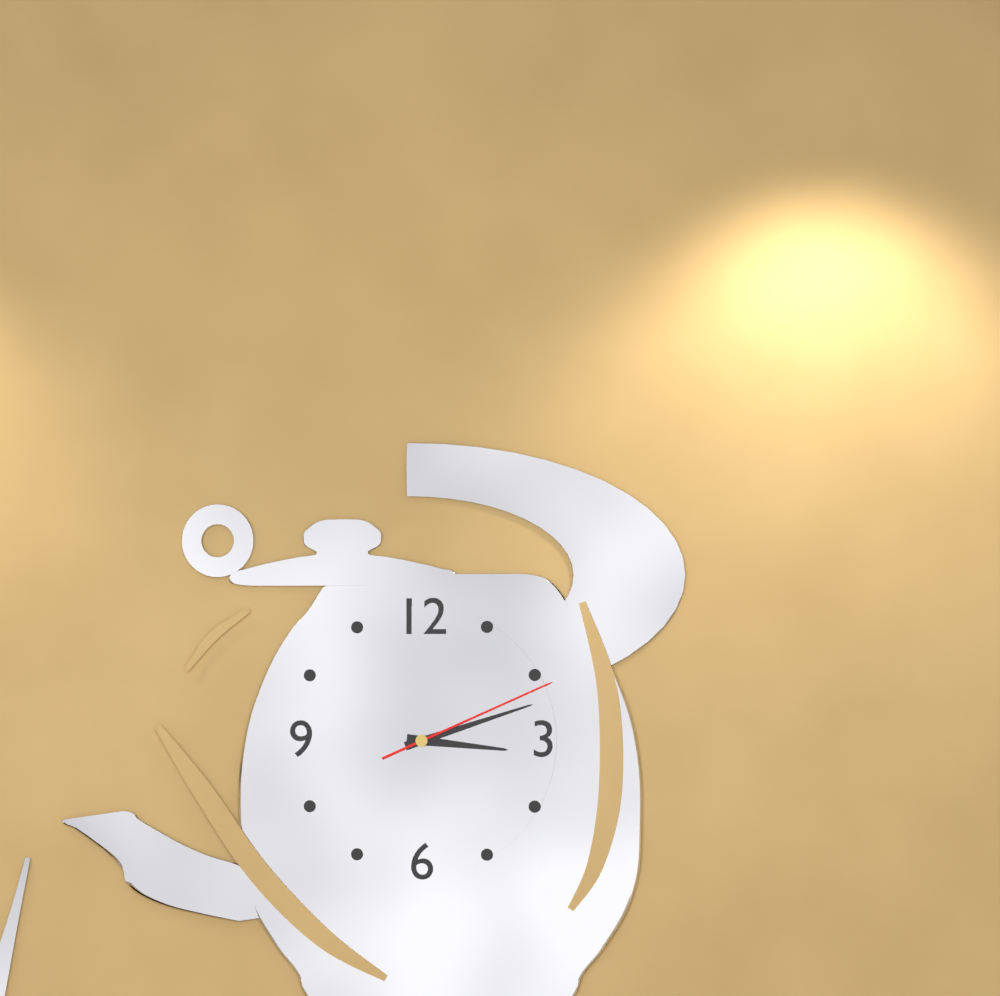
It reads 3:12:11
